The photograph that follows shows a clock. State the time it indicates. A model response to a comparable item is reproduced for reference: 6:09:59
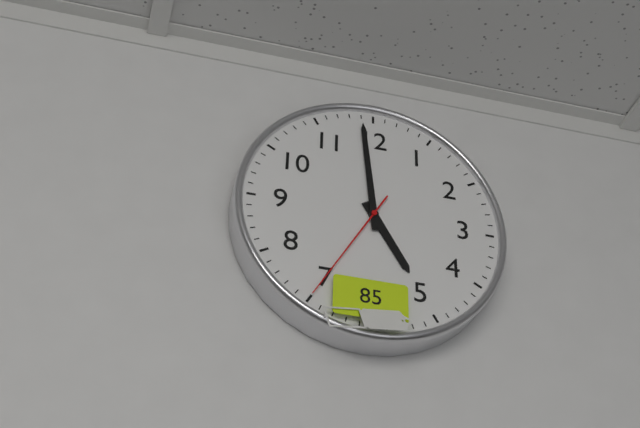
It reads 4:59:35
